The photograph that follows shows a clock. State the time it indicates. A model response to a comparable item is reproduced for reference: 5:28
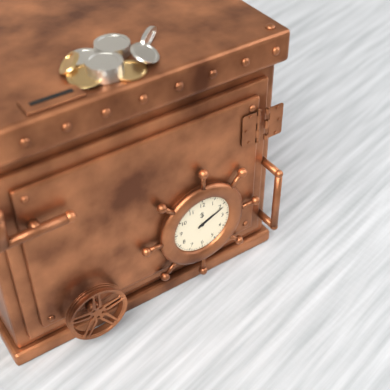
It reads 2:11
